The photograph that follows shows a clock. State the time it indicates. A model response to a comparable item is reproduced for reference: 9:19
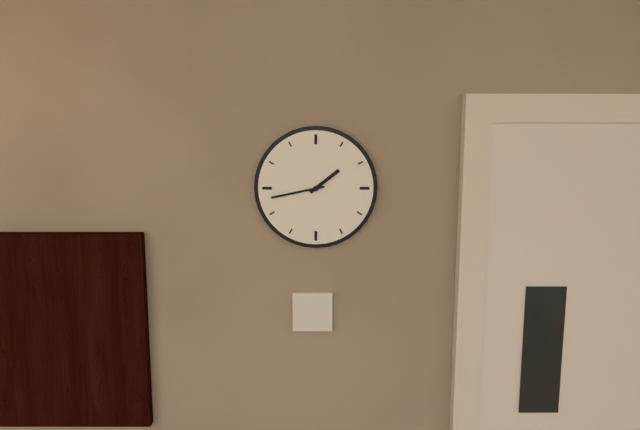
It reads 1:43
